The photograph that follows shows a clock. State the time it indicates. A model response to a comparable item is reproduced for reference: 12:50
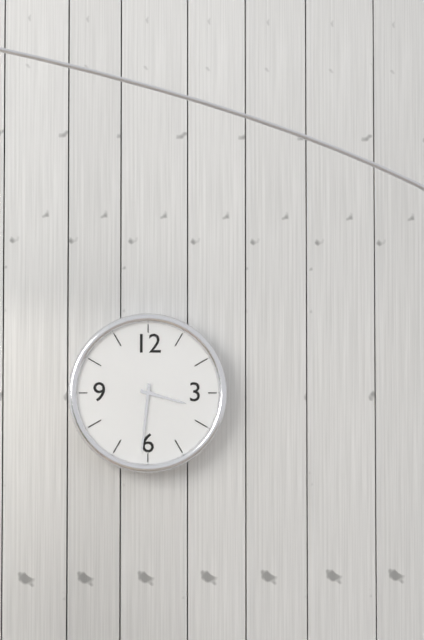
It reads 3:31
